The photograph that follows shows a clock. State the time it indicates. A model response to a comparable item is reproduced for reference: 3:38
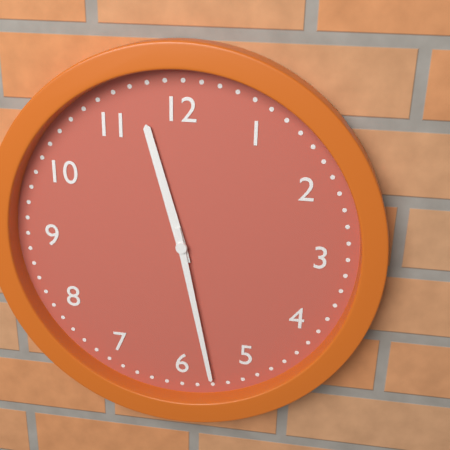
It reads 11:28
